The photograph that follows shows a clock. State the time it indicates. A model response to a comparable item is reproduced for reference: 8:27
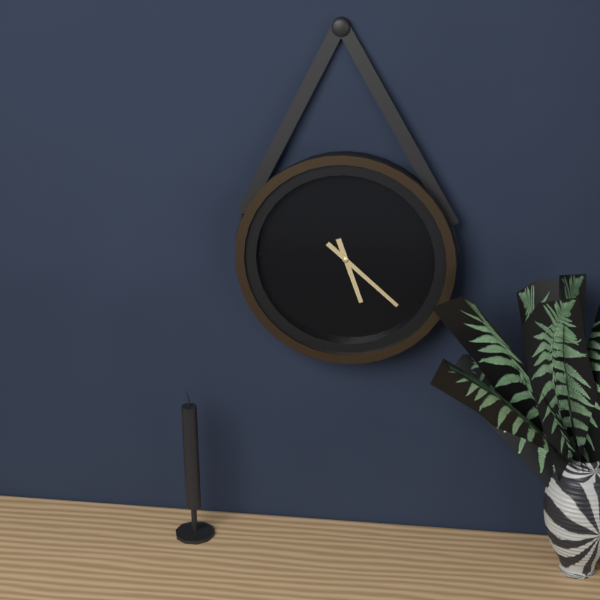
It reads 5:22
